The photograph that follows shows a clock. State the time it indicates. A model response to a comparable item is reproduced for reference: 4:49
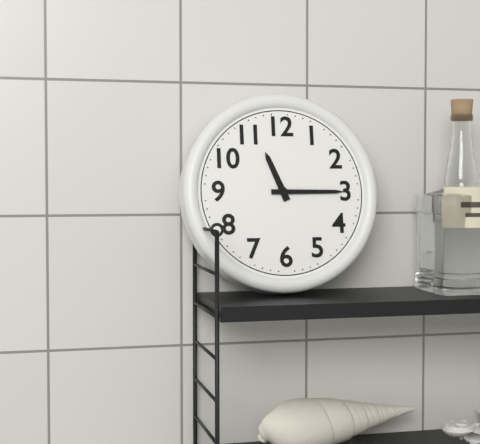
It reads 11:15
